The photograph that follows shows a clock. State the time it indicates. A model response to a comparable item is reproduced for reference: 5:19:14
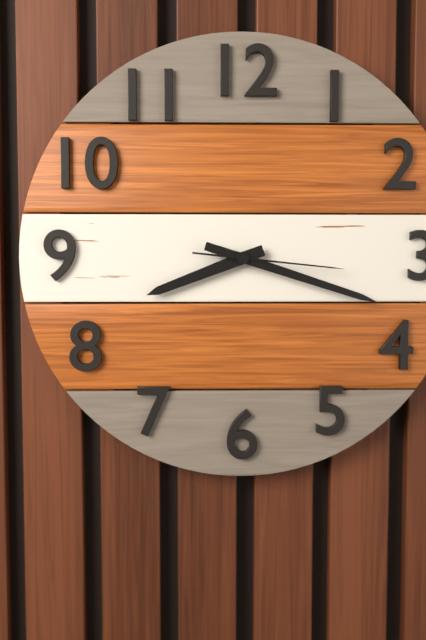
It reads 8:18:16
